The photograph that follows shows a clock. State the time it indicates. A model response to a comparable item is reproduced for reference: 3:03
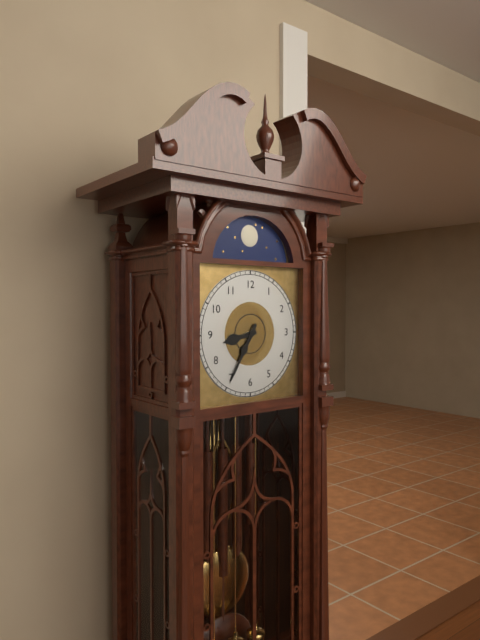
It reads 8:35
